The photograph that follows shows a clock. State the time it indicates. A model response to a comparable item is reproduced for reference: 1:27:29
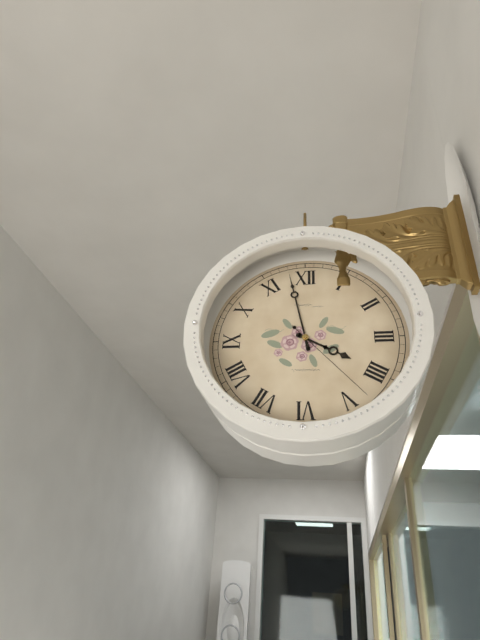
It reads 3:58:23
